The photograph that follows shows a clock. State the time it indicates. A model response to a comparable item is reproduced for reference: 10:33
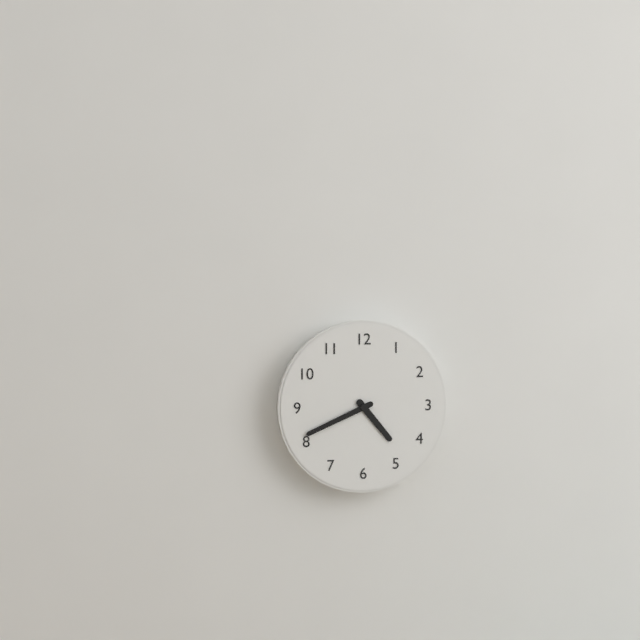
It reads 4:41
